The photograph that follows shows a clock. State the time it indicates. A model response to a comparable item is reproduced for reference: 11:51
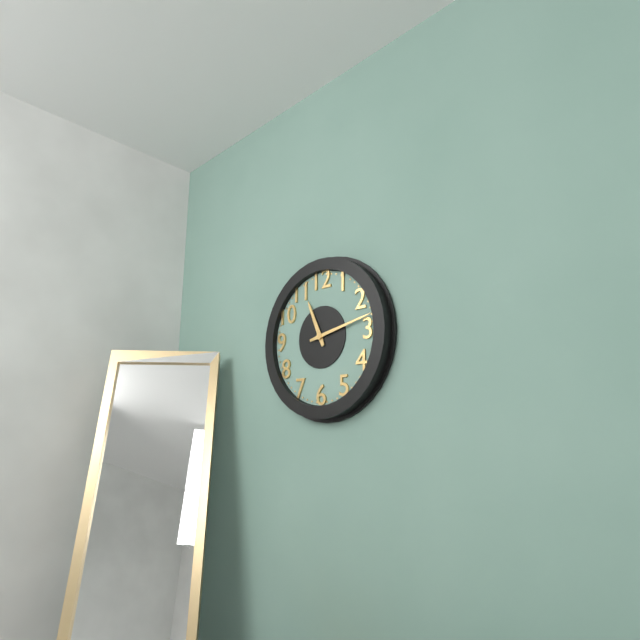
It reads 11:13
